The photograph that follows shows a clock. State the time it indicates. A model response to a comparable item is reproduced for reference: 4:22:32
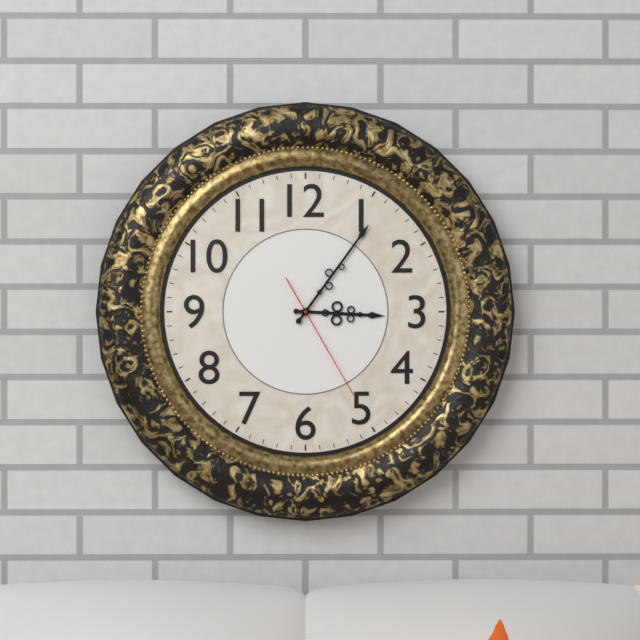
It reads 3:06:25
